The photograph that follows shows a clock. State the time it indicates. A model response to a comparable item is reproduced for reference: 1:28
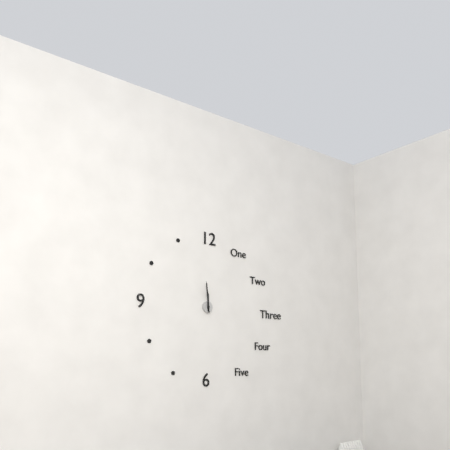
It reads 11:59
